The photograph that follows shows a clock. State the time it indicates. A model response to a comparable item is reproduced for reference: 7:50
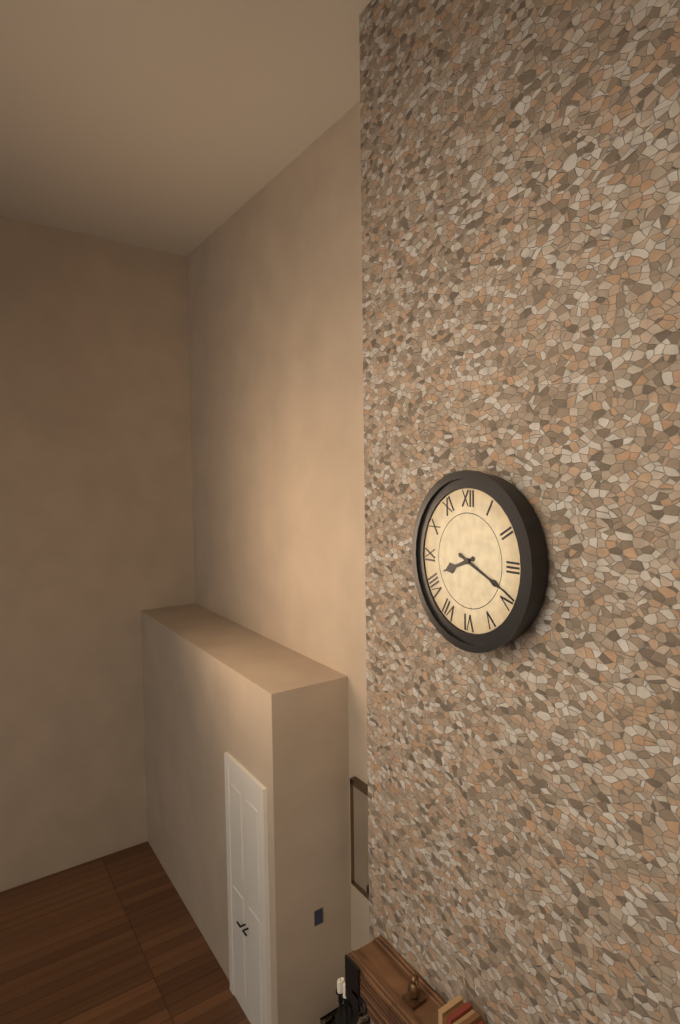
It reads 8:19
